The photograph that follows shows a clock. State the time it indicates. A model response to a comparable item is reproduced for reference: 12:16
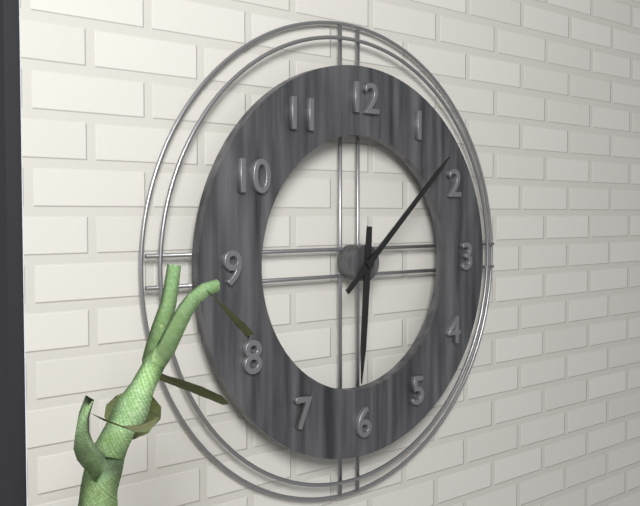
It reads 6:08
